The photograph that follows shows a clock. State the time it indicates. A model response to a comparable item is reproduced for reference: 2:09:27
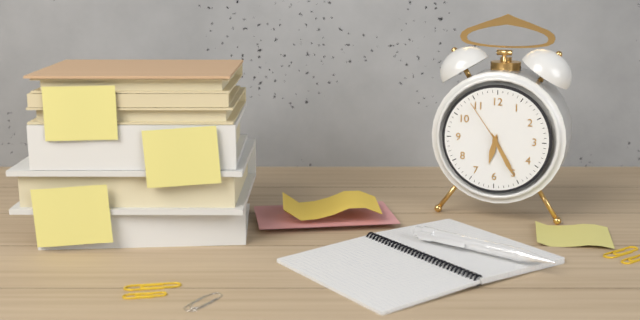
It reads 6:25:54
